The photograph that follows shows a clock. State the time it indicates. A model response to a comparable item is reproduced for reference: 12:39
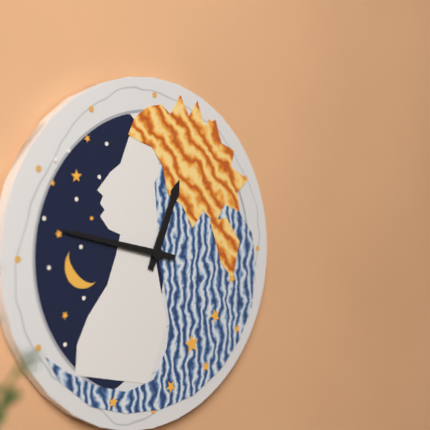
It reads 12:47
